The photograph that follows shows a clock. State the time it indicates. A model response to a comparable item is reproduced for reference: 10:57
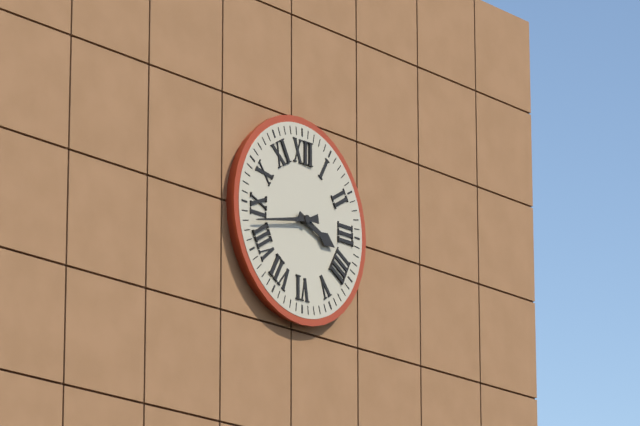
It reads 3:43
